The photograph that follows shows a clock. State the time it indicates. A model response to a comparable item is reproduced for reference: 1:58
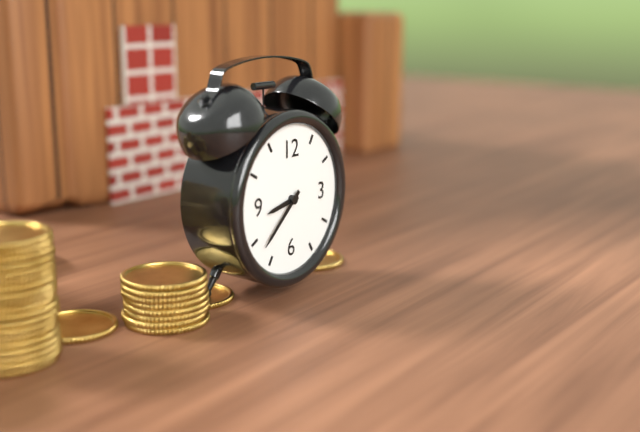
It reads 8:38
